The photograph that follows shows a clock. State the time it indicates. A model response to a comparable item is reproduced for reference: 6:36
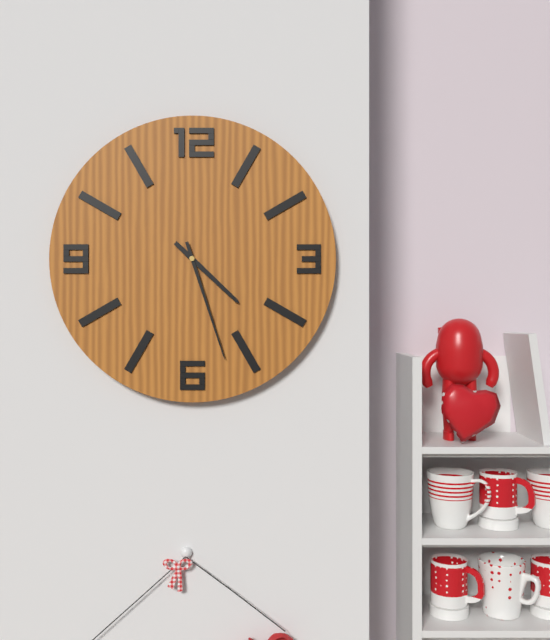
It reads 4:27
